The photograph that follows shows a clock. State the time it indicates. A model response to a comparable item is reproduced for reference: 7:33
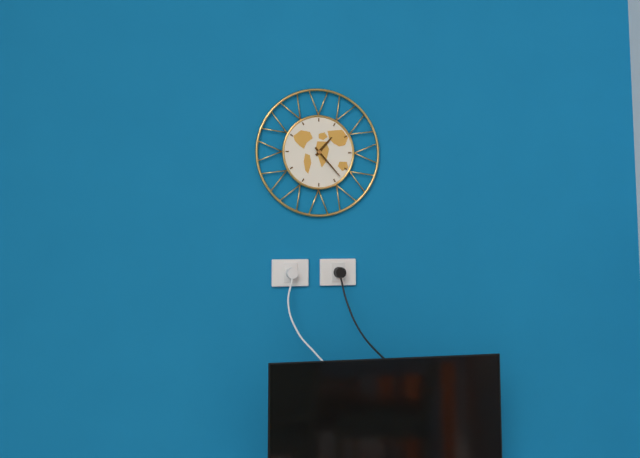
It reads 1:23
